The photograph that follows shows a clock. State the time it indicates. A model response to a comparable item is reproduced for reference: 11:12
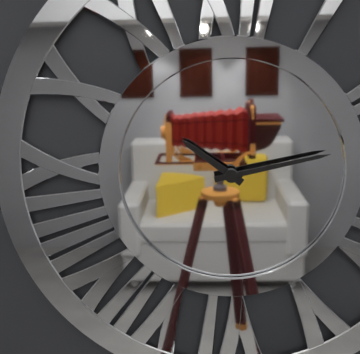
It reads 10:13
